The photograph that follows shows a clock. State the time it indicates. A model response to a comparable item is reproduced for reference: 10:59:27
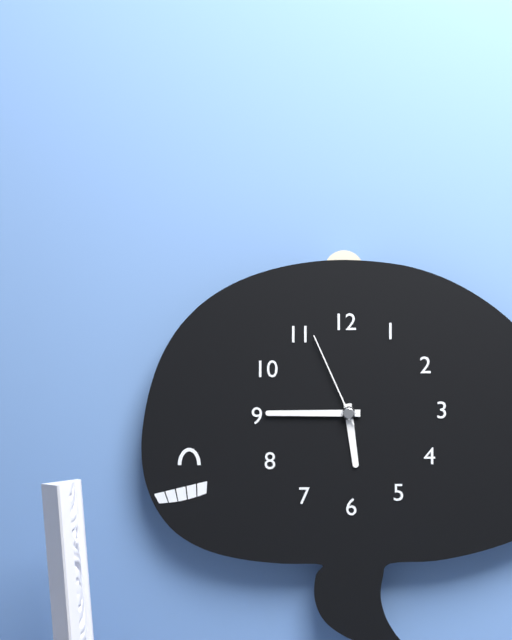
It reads 5:45:56
